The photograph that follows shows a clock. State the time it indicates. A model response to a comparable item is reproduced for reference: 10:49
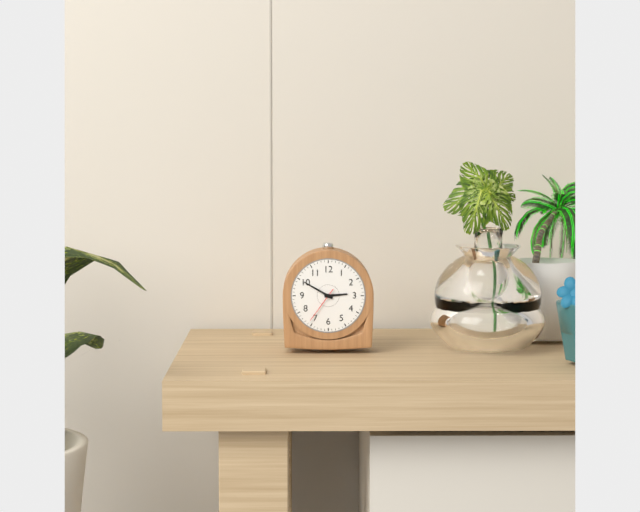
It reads 2:50
